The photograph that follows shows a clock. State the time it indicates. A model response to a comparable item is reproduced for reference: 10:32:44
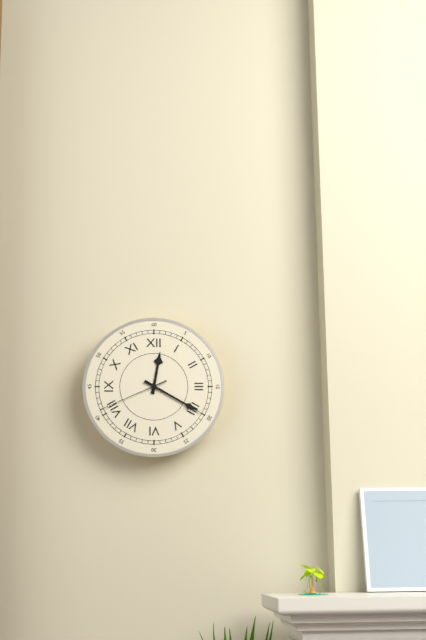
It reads 12:20:41
